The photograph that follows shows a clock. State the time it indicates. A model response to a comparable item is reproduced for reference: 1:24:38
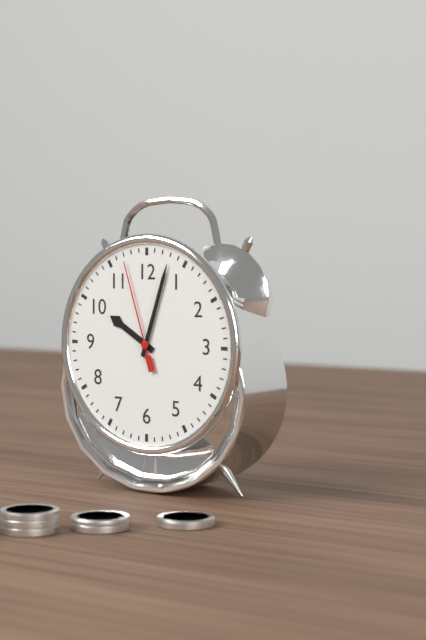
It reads 10:03:57
